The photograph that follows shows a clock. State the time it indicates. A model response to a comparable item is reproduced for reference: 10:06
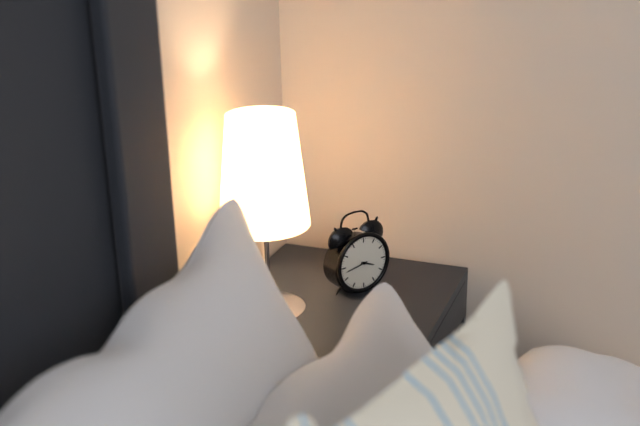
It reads 3:43
